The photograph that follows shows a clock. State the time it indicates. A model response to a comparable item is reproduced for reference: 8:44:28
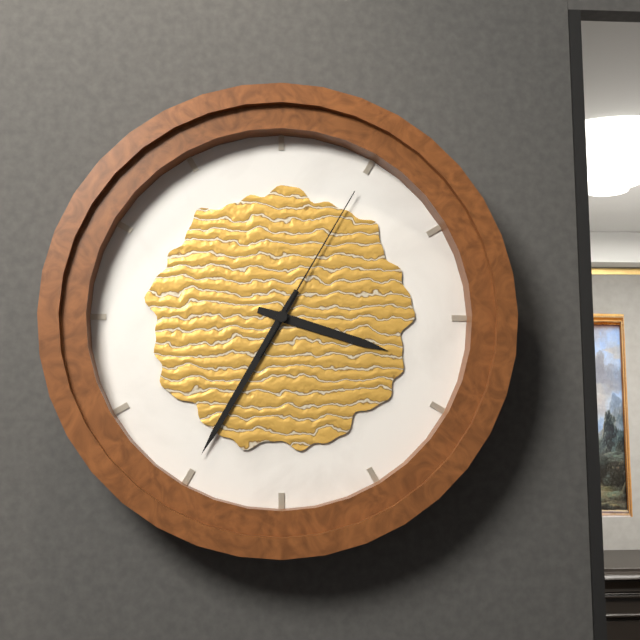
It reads 3:35:05
